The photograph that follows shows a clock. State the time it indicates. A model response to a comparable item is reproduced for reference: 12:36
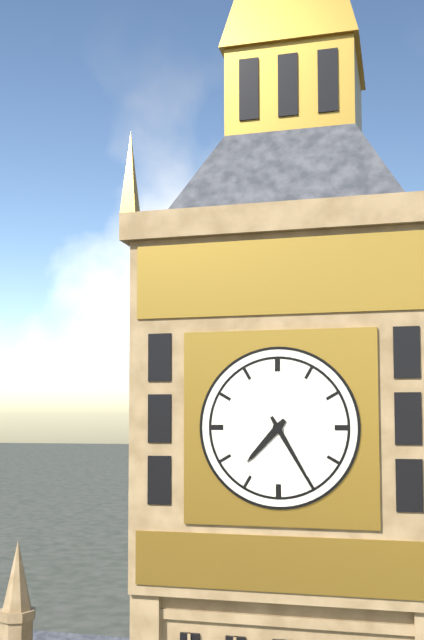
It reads 7:25
